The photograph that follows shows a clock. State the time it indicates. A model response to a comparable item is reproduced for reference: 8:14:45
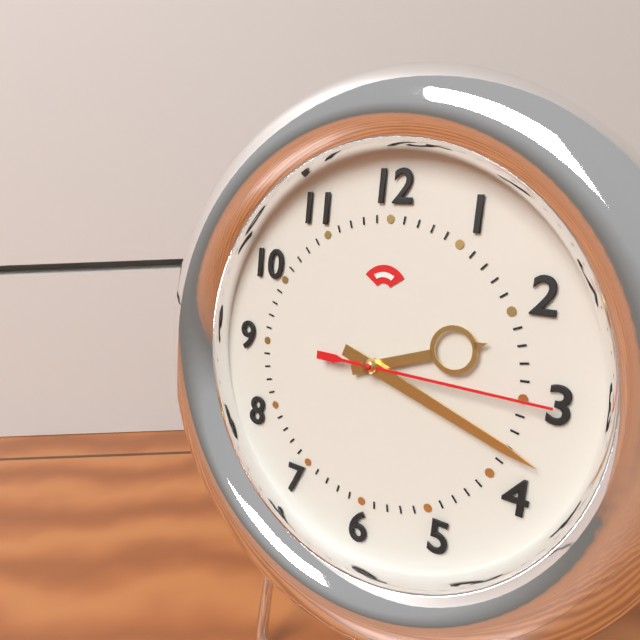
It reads 2:18:15
